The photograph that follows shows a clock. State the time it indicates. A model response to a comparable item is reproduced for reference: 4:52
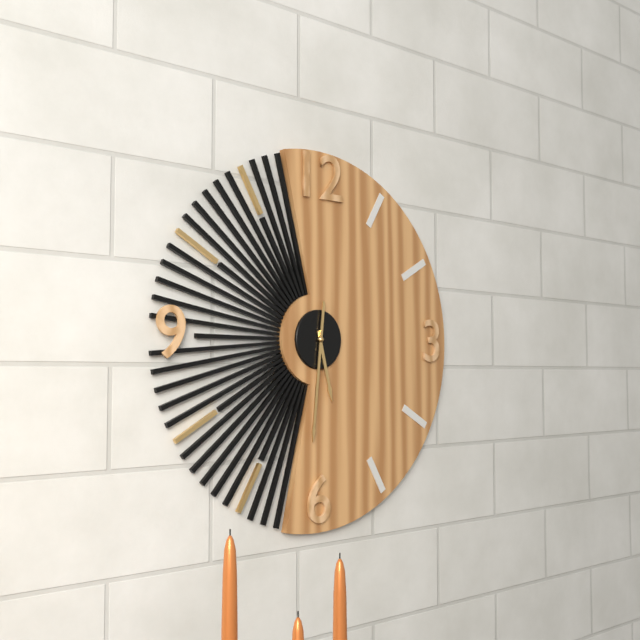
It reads 5:31
